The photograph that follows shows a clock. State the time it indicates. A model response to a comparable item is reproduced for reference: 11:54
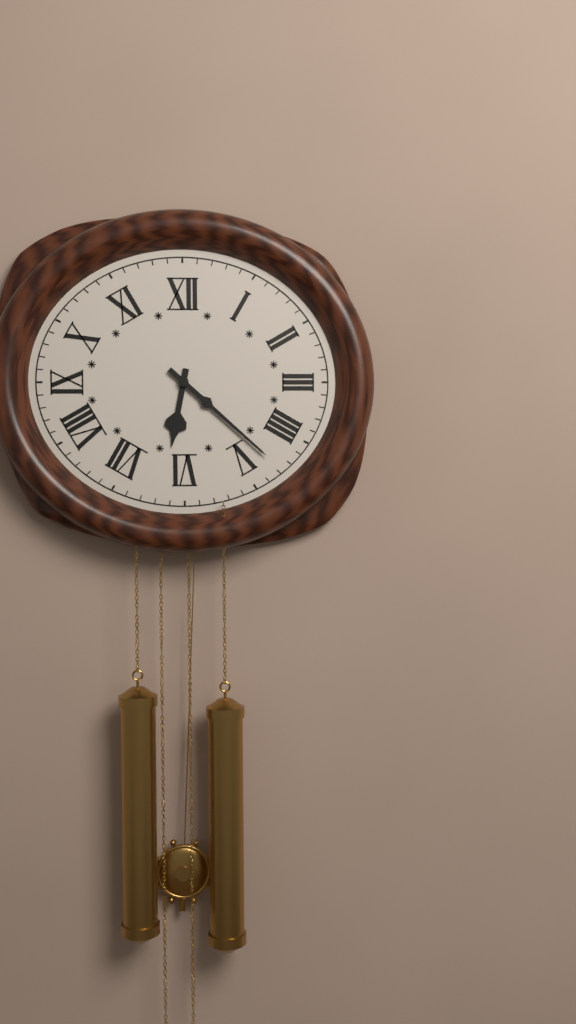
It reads 6:22
